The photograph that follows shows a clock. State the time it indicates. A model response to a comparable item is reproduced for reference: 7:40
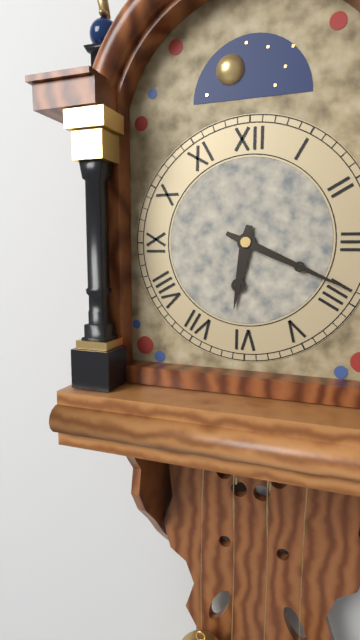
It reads 6:19
